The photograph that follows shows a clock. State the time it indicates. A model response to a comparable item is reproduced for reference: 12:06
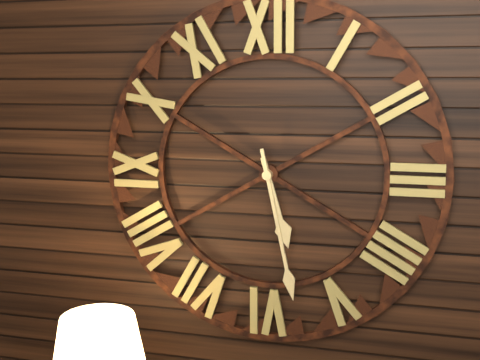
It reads 5:28
